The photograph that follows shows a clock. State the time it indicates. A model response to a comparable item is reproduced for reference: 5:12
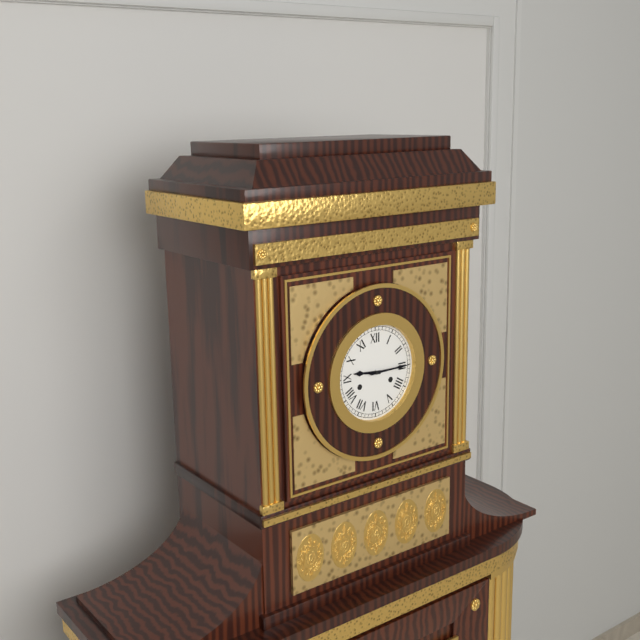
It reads 9:15
